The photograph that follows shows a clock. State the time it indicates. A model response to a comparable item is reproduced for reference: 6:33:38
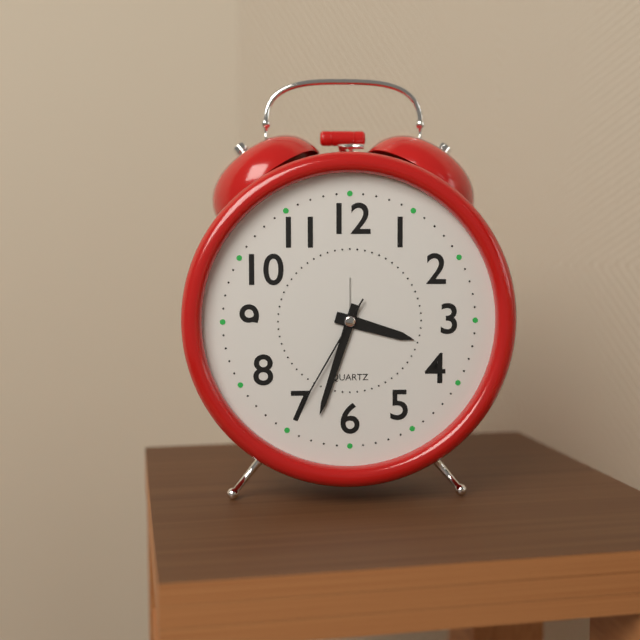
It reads 3:33:35
